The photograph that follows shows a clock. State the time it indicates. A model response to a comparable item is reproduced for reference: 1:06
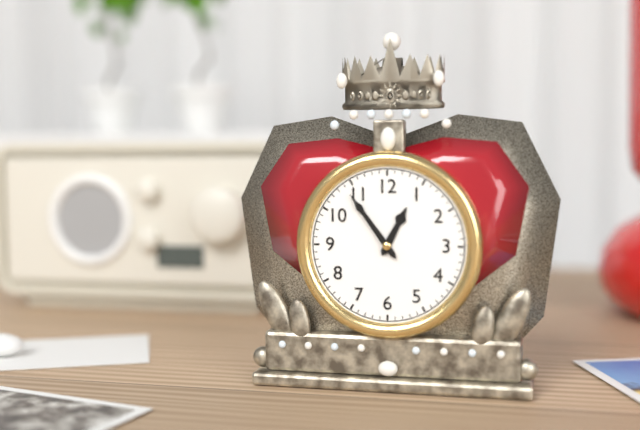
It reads 12:54
